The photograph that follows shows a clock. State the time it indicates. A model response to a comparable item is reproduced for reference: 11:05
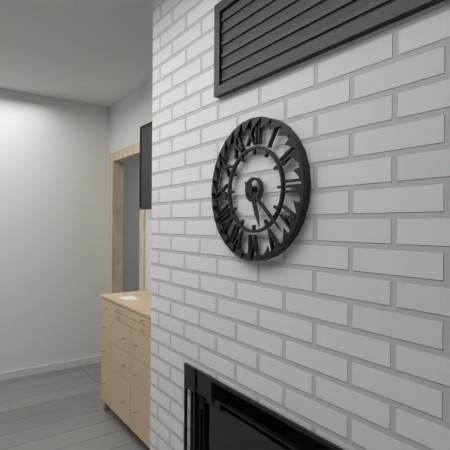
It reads 5:22
